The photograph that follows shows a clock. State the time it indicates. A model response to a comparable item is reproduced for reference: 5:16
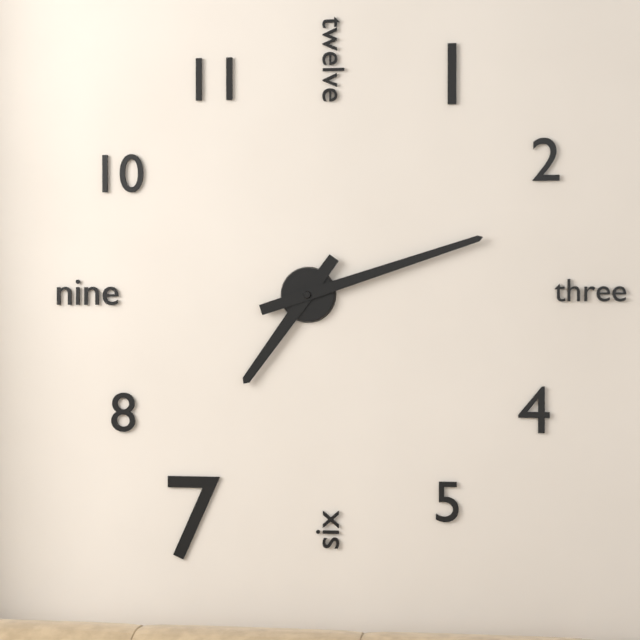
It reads 7:12
